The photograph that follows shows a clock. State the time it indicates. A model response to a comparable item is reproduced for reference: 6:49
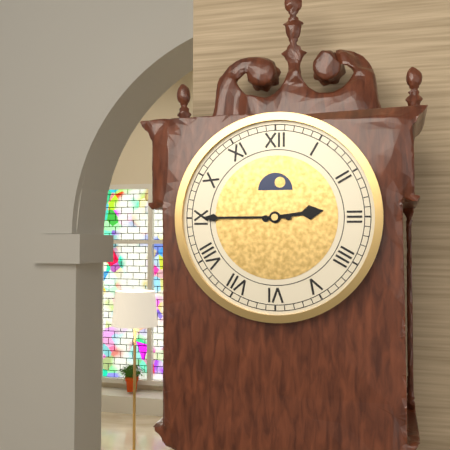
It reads 2:45
